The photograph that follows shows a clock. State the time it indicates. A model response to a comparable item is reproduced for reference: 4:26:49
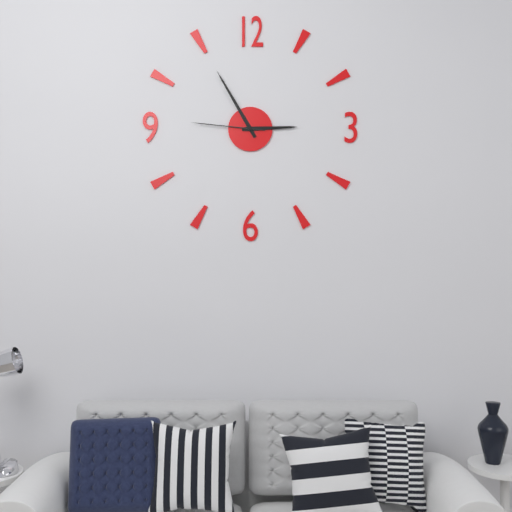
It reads 2:55:46
